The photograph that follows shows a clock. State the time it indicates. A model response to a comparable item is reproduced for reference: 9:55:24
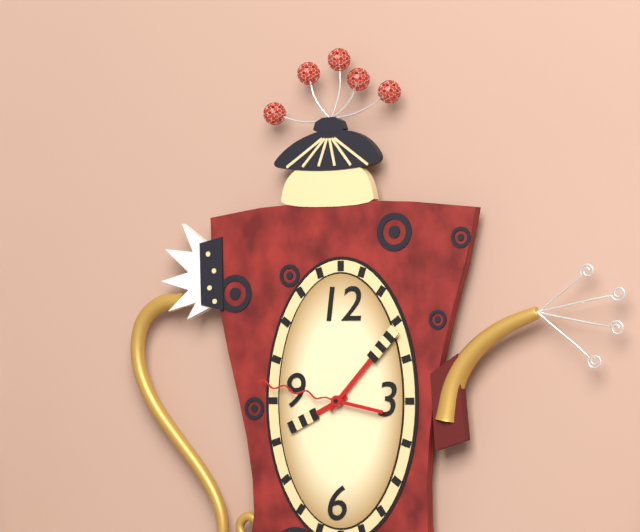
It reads 8:07:47
